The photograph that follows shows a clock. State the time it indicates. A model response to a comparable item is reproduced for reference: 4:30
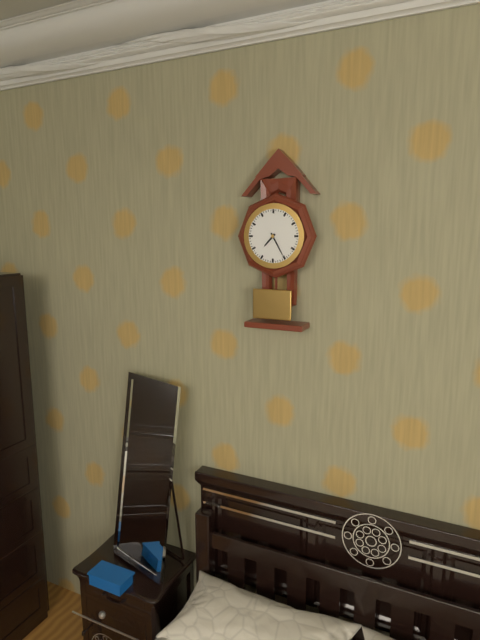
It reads 7:25
